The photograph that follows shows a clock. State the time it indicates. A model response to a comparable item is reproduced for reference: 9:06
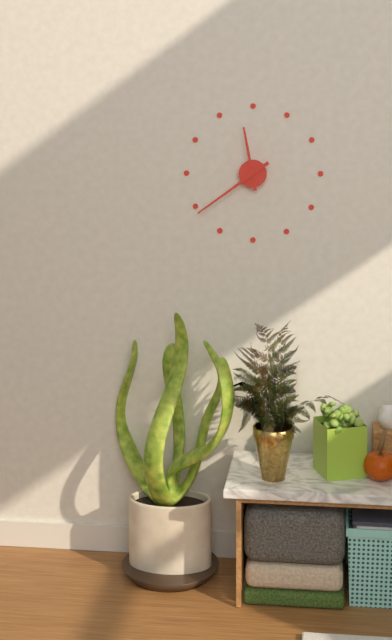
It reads 11:39
